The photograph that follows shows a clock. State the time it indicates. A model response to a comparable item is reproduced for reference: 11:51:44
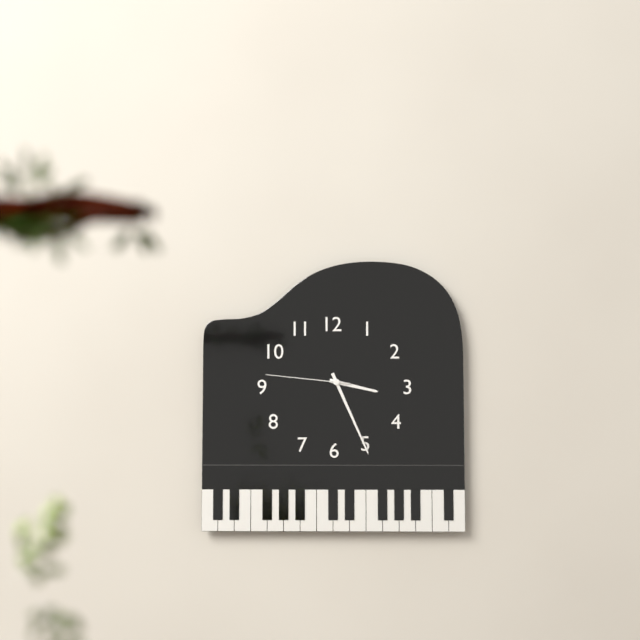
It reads 3:26:46
